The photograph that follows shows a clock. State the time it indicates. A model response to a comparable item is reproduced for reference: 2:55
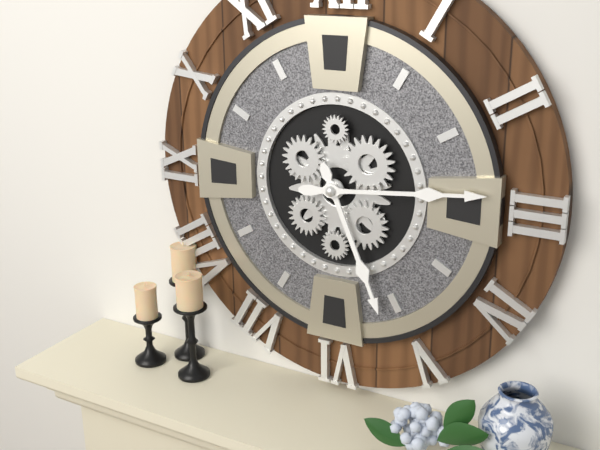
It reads 5:14
